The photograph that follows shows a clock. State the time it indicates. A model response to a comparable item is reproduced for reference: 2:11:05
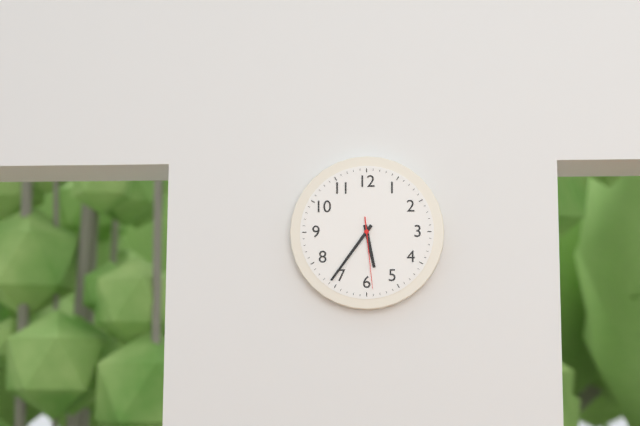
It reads 5:36:29
